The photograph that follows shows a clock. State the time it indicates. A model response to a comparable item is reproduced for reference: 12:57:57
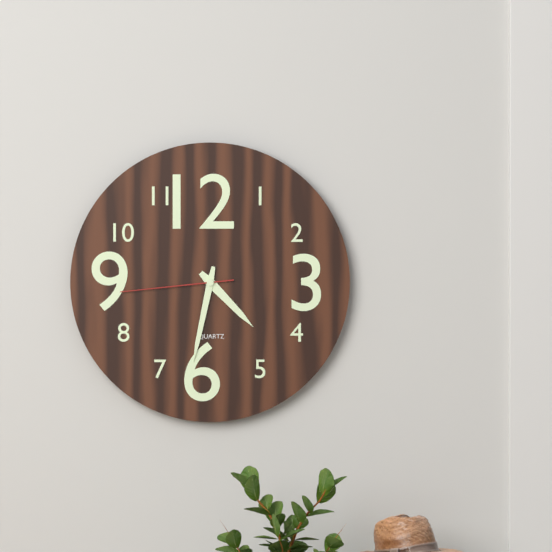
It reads 4:32:44
